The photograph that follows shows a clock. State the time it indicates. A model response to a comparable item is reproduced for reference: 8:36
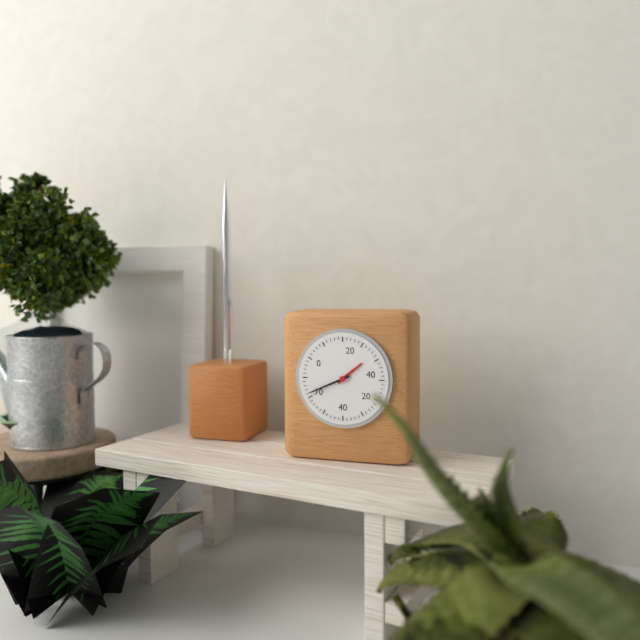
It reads 1:41
